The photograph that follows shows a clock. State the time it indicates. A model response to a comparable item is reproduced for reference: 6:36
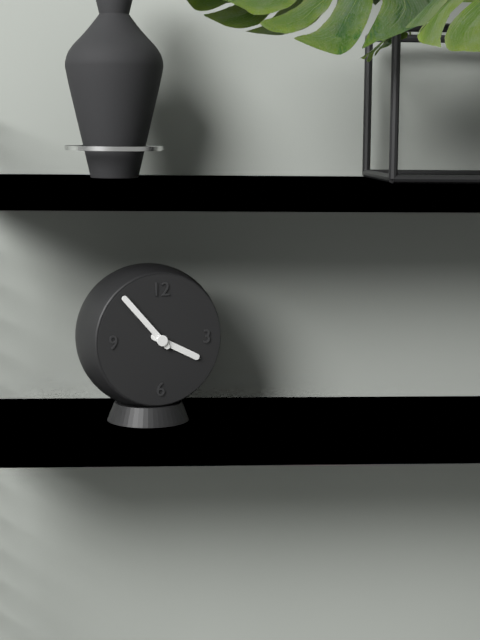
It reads 3:53
